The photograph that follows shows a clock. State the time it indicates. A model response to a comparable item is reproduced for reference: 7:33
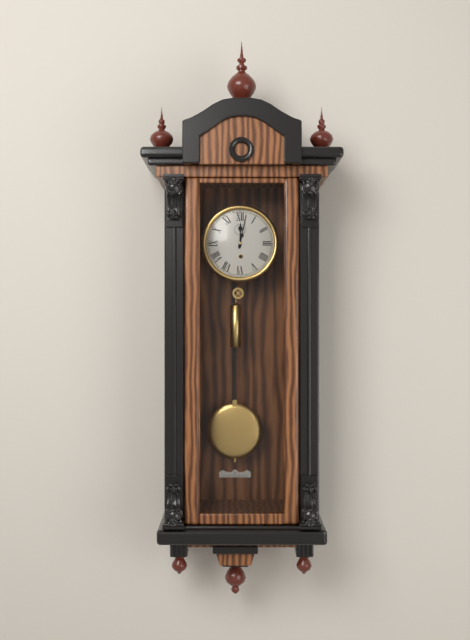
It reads 12:02
